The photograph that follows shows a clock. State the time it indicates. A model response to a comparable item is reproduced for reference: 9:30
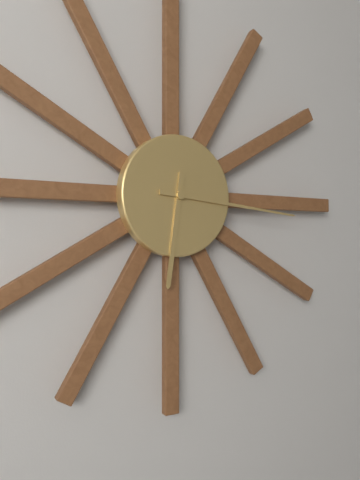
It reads 6:16
